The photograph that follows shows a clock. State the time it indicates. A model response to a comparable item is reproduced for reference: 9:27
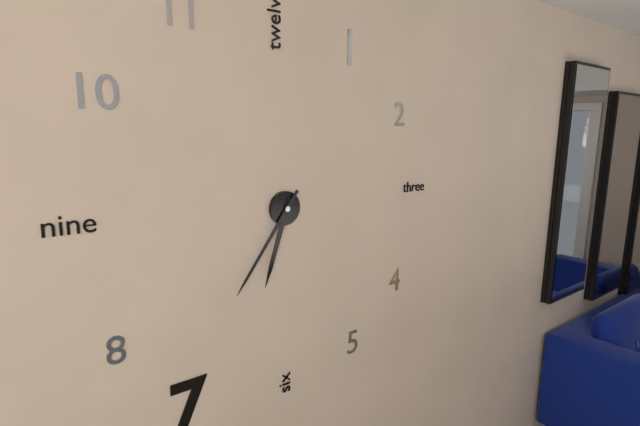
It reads 6:36
